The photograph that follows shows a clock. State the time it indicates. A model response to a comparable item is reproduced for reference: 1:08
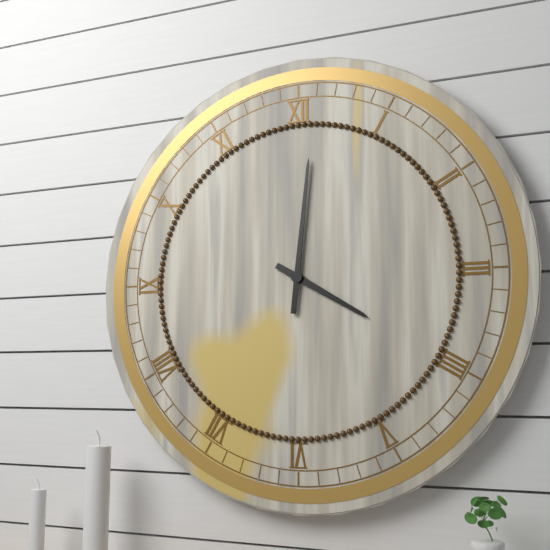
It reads 4:01
